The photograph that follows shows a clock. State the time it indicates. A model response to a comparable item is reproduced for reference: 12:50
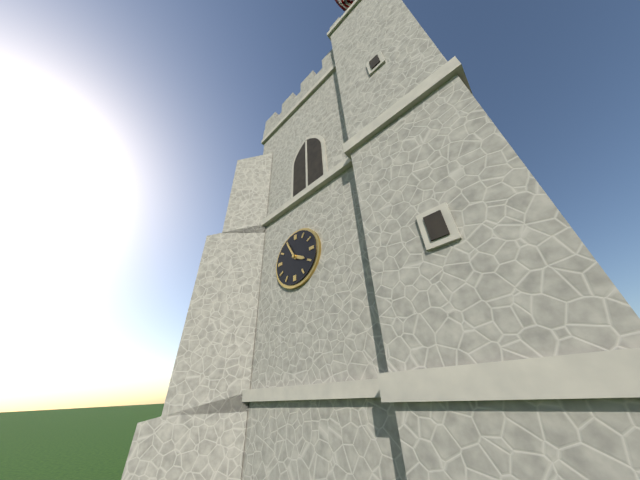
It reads 3:55
